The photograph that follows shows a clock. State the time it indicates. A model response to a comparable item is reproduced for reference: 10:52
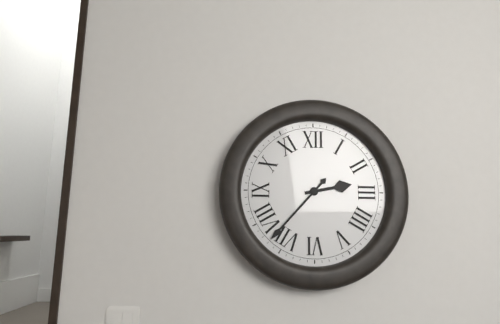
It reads 2:37
